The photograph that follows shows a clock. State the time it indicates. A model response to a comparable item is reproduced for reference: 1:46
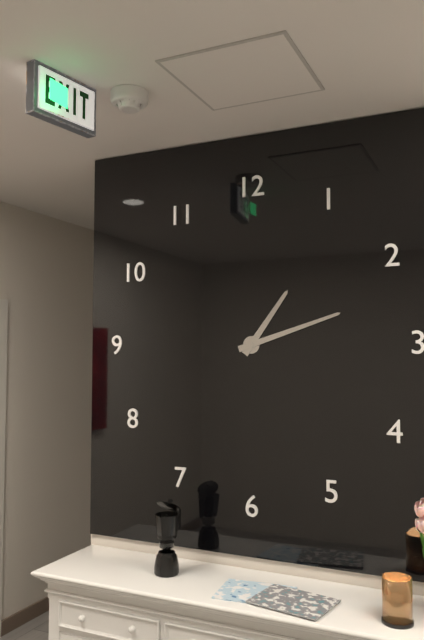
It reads 1:12
